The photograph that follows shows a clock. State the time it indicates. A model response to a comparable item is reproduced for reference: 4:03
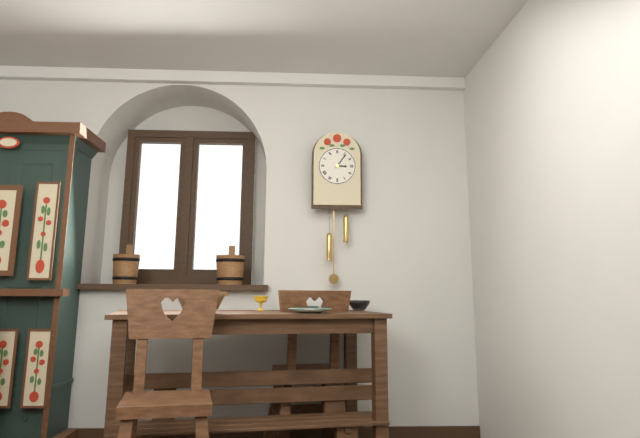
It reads 3:06
